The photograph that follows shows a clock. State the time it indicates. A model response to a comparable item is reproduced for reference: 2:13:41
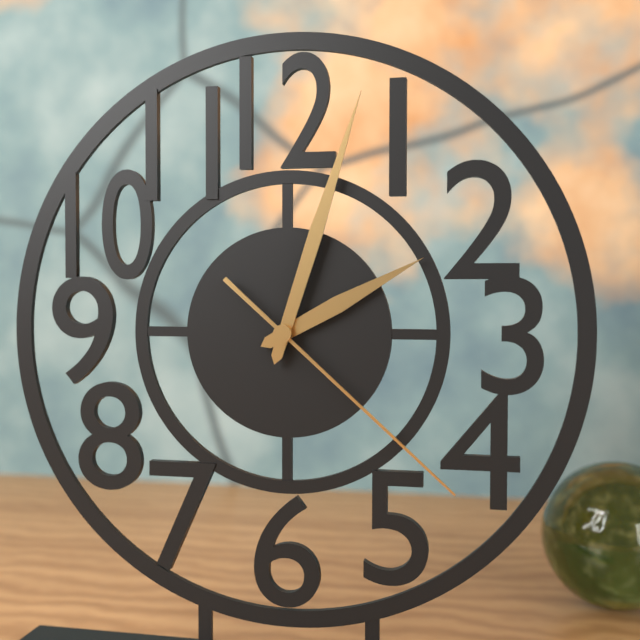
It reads 2:03:22
